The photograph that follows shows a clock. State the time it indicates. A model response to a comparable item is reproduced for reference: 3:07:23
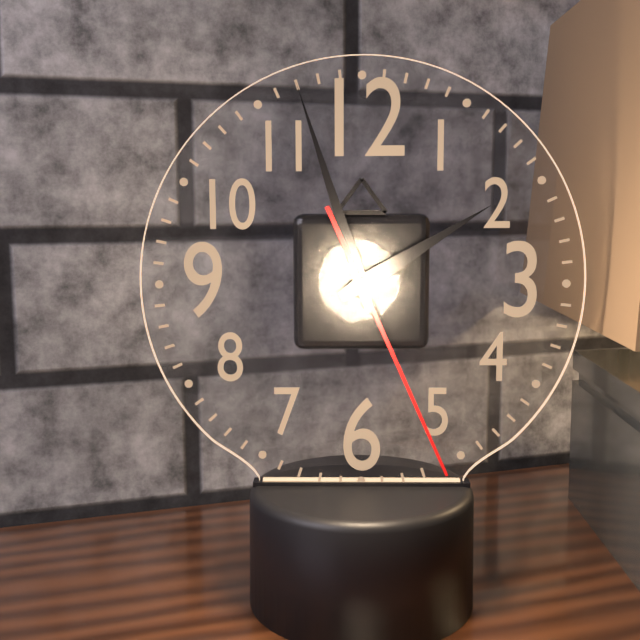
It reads 1:57:26
